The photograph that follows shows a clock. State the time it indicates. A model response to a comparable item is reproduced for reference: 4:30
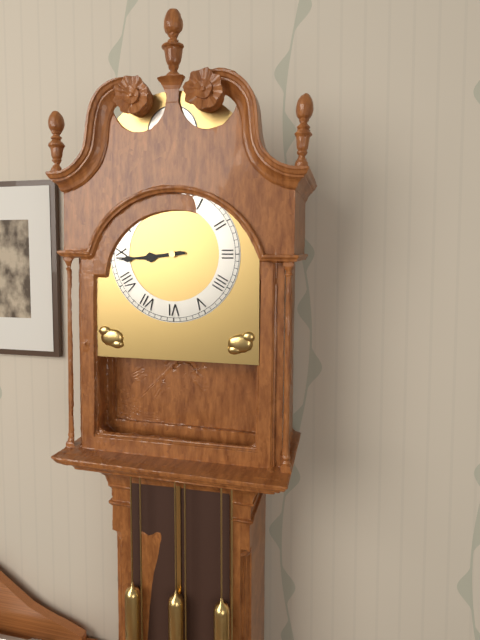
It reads 8:44
